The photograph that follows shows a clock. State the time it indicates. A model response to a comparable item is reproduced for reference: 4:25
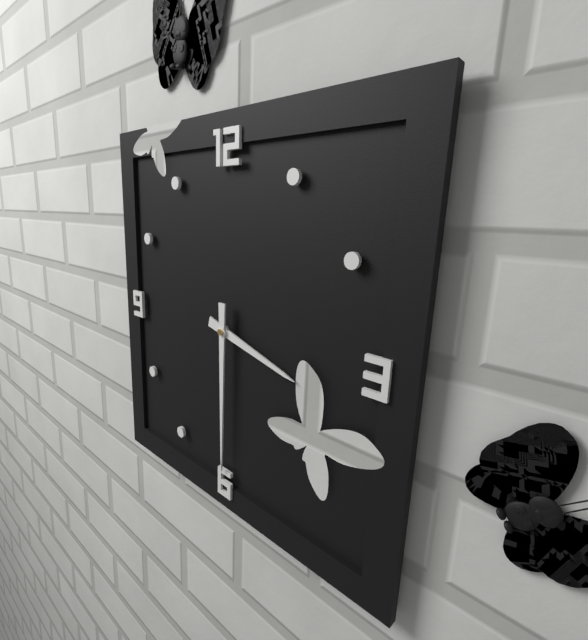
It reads 3:30
